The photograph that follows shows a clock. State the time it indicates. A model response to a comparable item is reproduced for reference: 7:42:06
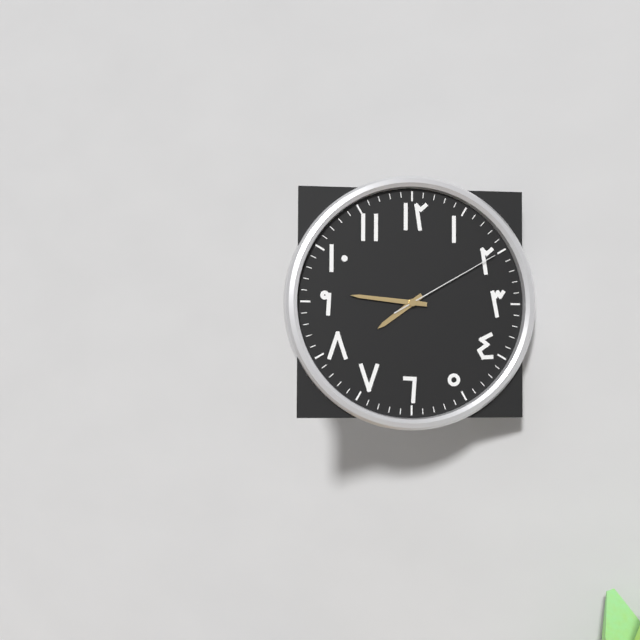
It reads 7:46:10
